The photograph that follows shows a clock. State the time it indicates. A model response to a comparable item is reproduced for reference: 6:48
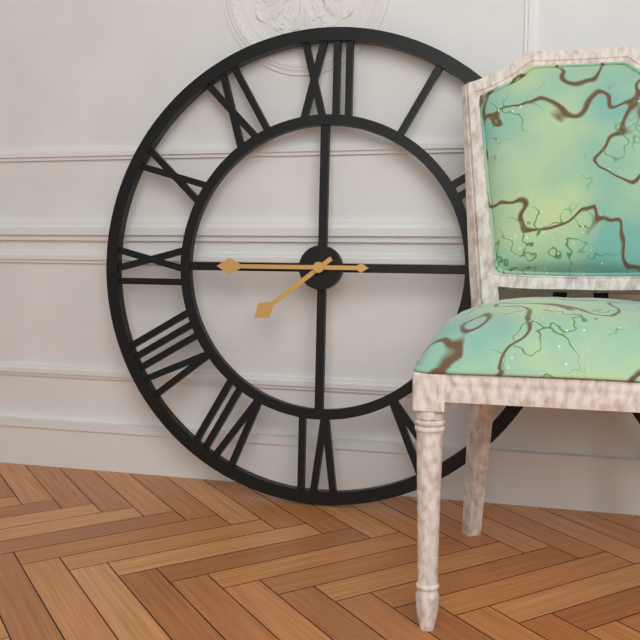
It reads 7:45
